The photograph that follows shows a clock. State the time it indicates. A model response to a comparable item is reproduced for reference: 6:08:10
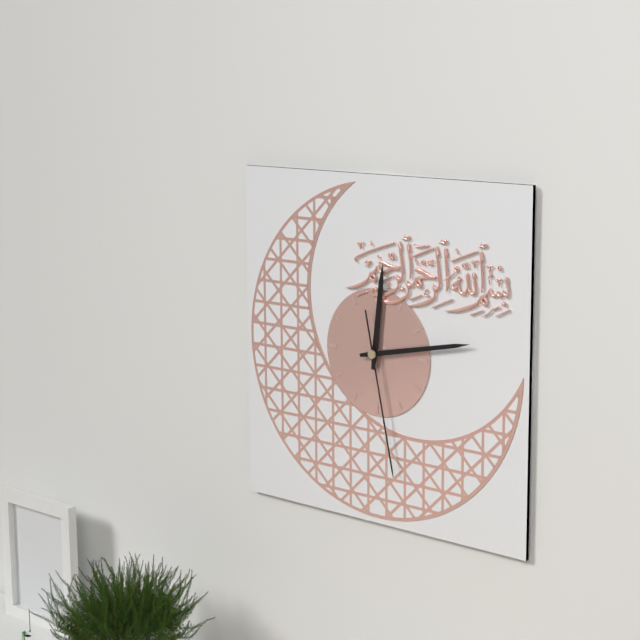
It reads 12:13:28
